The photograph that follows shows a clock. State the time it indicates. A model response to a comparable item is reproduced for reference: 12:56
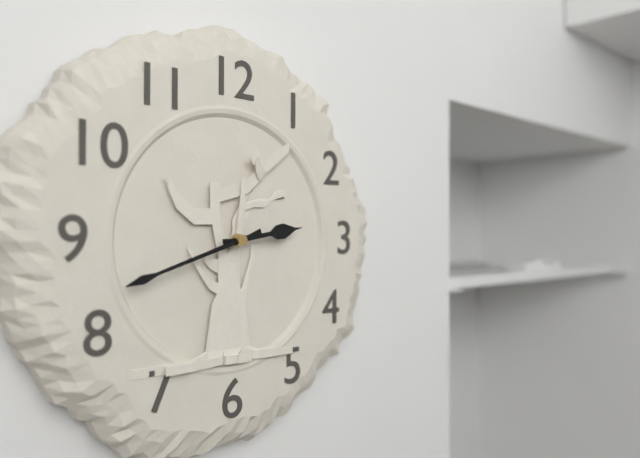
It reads 2:42
